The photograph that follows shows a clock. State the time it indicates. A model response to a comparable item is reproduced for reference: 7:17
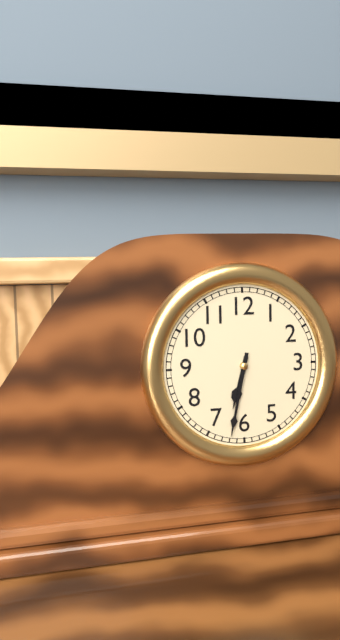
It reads 6:32
